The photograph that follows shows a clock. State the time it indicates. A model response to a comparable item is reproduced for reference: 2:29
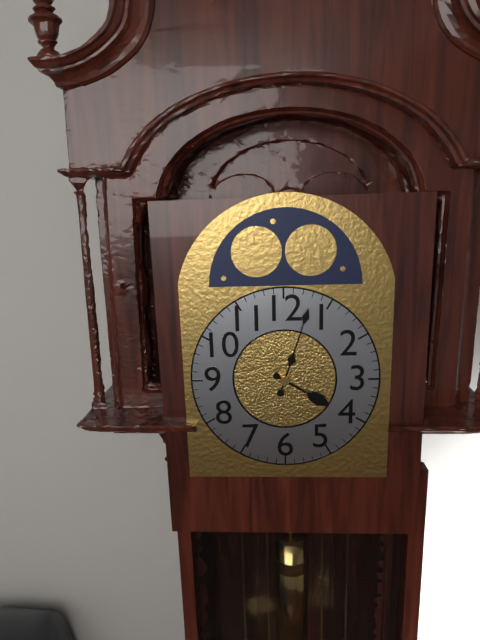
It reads 4:03
